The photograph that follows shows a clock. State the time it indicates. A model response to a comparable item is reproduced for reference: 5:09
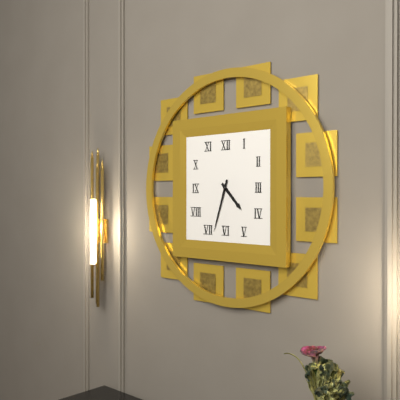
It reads 4:33
